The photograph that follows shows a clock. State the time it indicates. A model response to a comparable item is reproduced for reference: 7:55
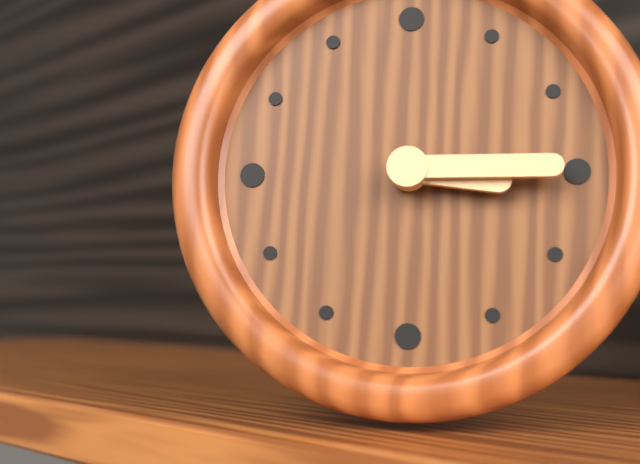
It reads 3:15
